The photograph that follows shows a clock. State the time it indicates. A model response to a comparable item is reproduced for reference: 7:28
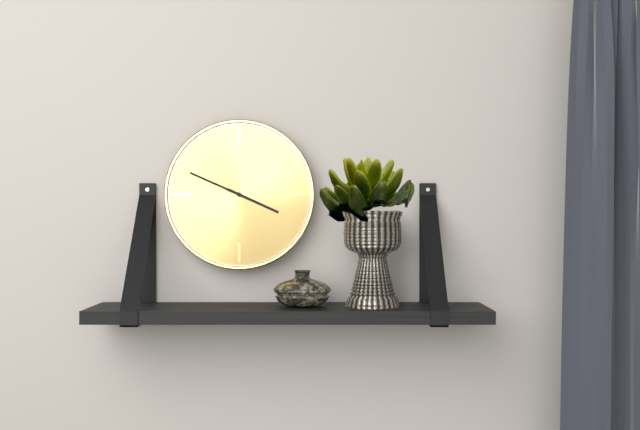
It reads 3:49
